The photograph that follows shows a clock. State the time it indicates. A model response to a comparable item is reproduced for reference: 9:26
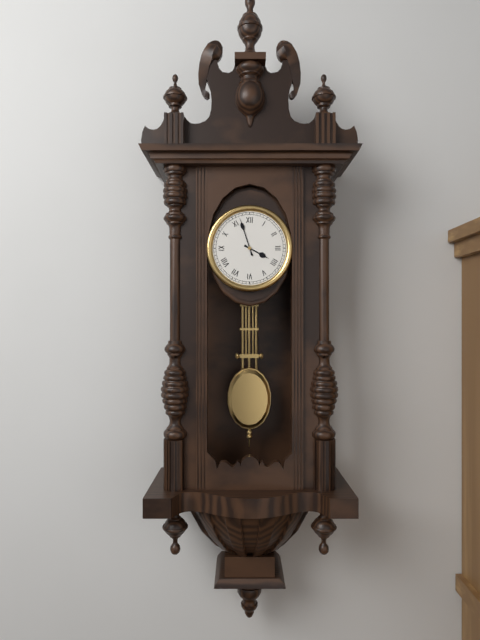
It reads 3:57
